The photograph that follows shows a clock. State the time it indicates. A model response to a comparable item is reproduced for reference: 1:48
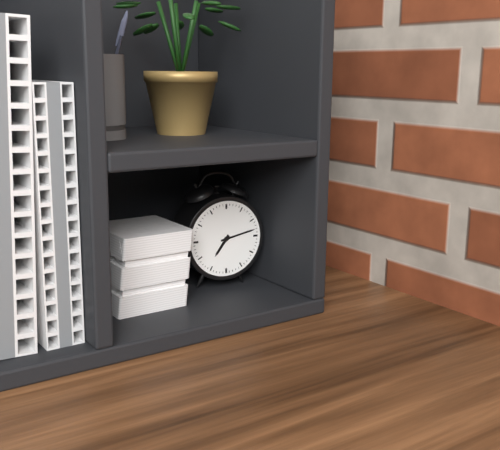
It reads 7:13
